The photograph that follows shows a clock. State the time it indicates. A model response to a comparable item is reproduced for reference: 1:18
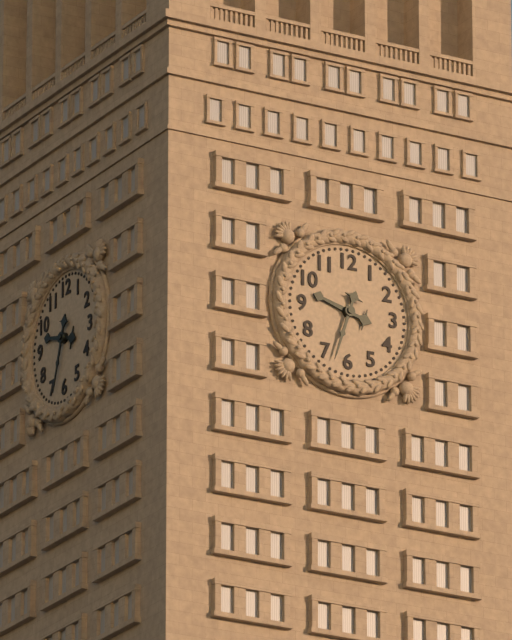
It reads 9:33
